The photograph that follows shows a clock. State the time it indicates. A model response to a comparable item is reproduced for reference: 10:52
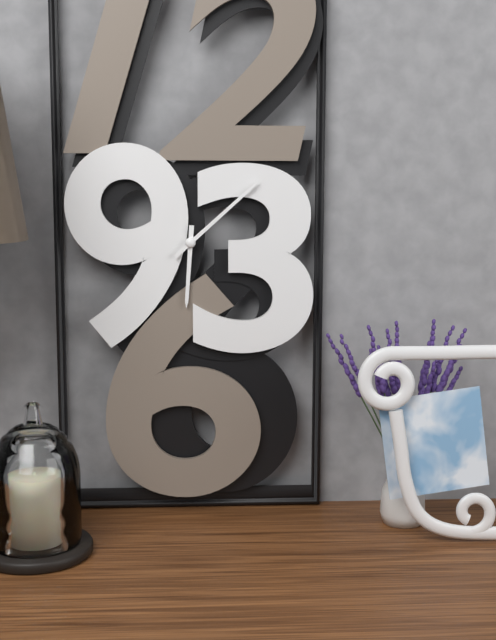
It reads 6:08
